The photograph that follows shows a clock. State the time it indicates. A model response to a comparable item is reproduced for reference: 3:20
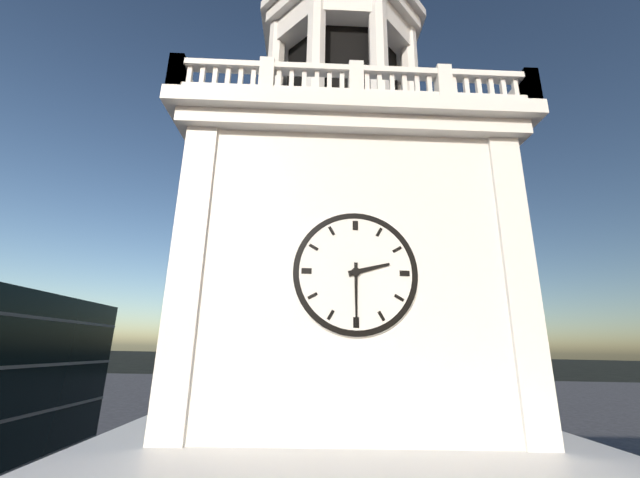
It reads 2:30
